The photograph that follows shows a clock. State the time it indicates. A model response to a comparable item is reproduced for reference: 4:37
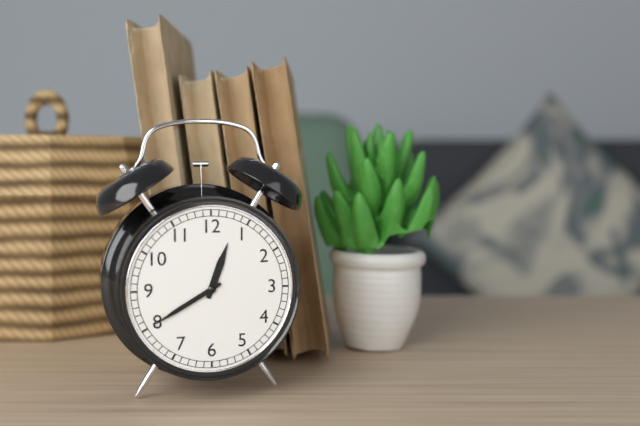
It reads 12:40
